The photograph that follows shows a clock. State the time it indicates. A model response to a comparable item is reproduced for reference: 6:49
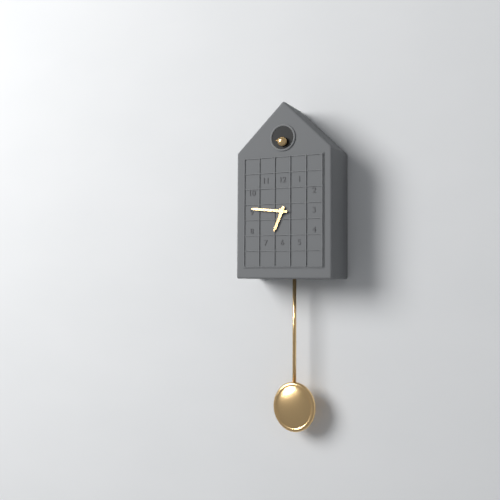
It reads 6:46
